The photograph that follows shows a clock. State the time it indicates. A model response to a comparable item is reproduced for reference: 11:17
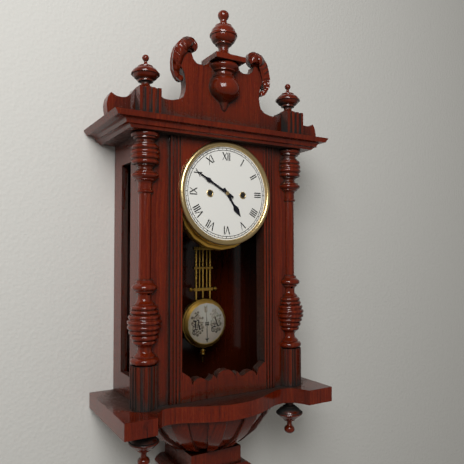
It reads 4:50
